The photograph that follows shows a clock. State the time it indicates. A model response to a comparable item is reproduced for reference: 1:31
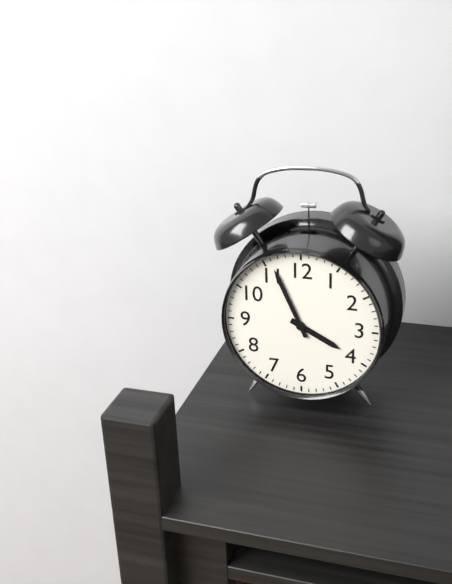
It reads 3:56
